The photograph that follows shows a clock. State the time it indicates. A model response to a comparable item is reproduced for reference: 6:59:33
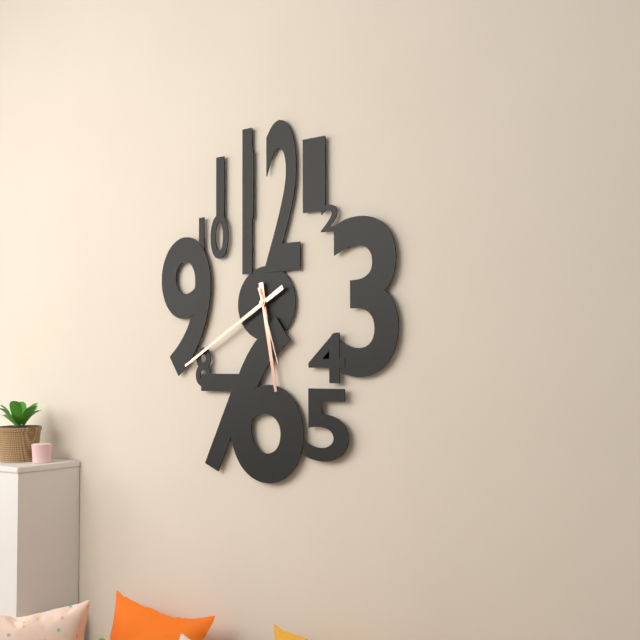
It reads 5:40:27
